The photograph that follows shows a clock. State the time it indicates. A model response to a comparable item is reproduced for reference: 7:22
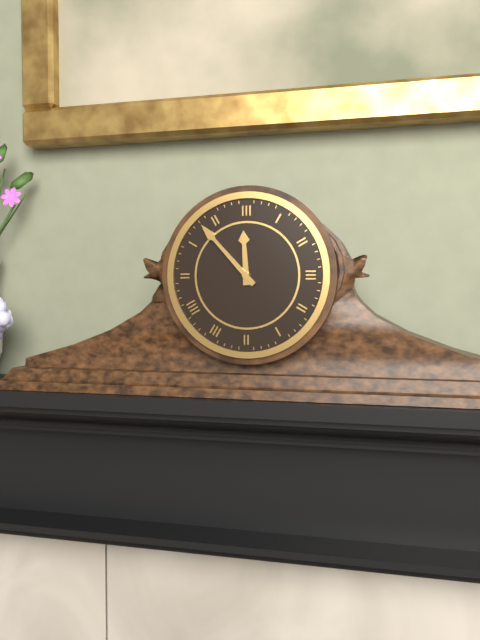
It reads 11:53
